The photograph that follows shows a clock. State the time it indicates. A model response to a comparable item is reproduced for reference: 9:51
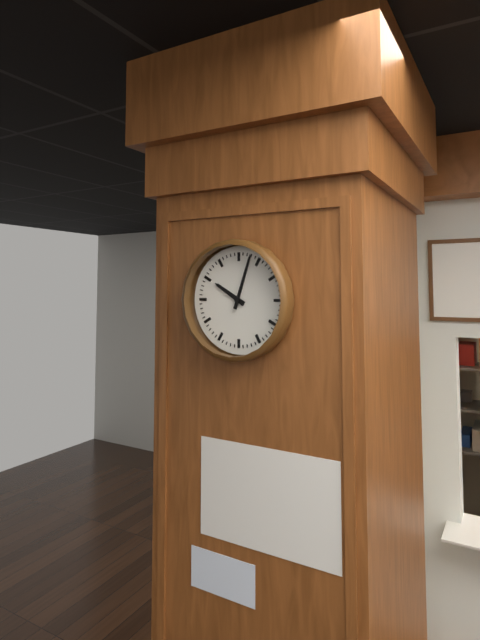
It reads 10:03
